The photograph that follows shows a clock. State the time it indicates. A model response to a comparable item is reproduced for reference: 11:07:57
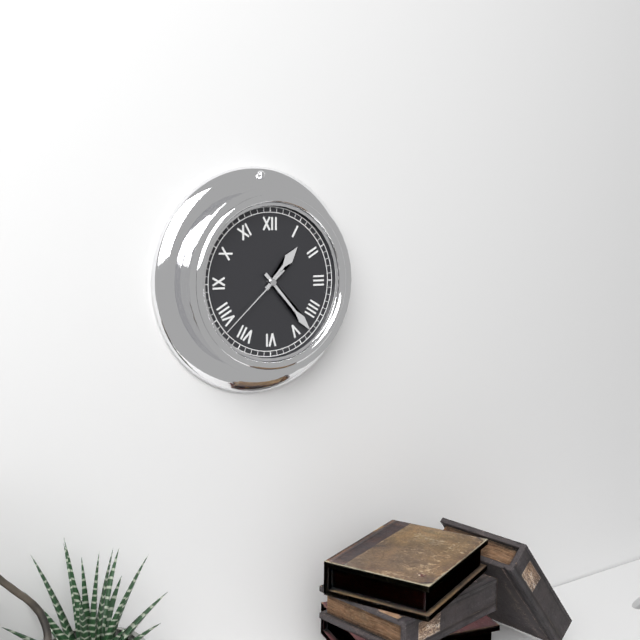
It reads 1:23:38
